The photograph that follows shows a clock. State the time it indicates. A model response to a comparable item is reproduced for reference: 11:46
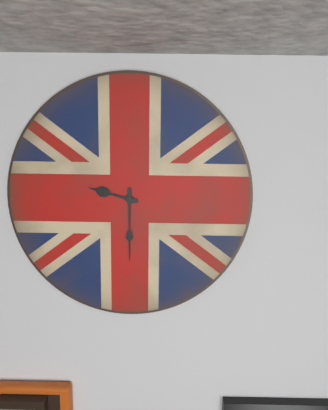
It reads 9:30
